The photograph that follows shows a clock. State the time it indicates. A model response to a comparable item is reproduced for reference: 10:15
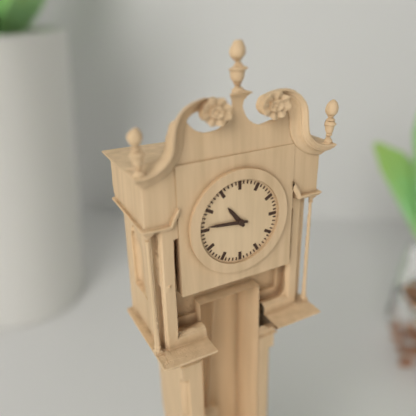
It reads 10:46
